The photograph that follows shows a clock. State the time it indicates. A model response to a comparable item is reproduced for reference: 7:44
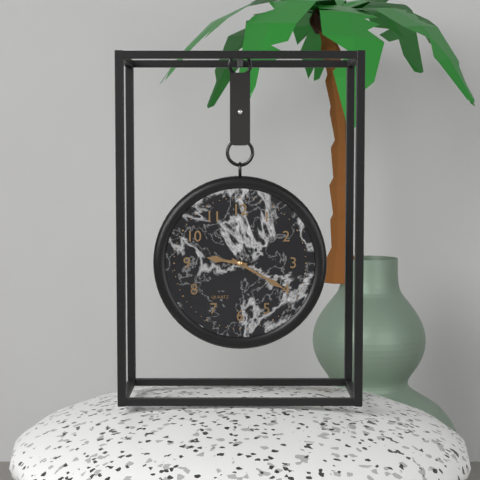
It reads 9:20
